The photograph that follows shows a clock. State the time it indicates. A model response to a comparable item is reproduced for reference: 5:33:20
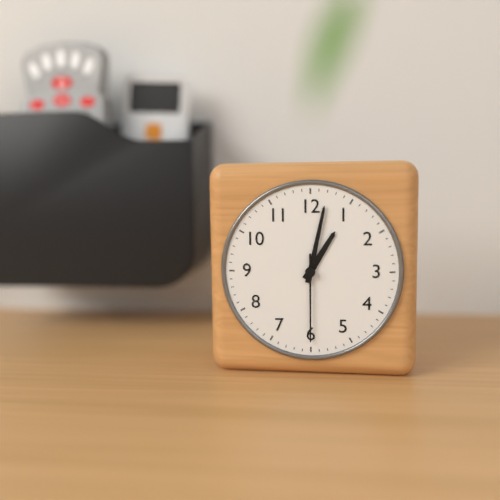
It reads 1:02:30
